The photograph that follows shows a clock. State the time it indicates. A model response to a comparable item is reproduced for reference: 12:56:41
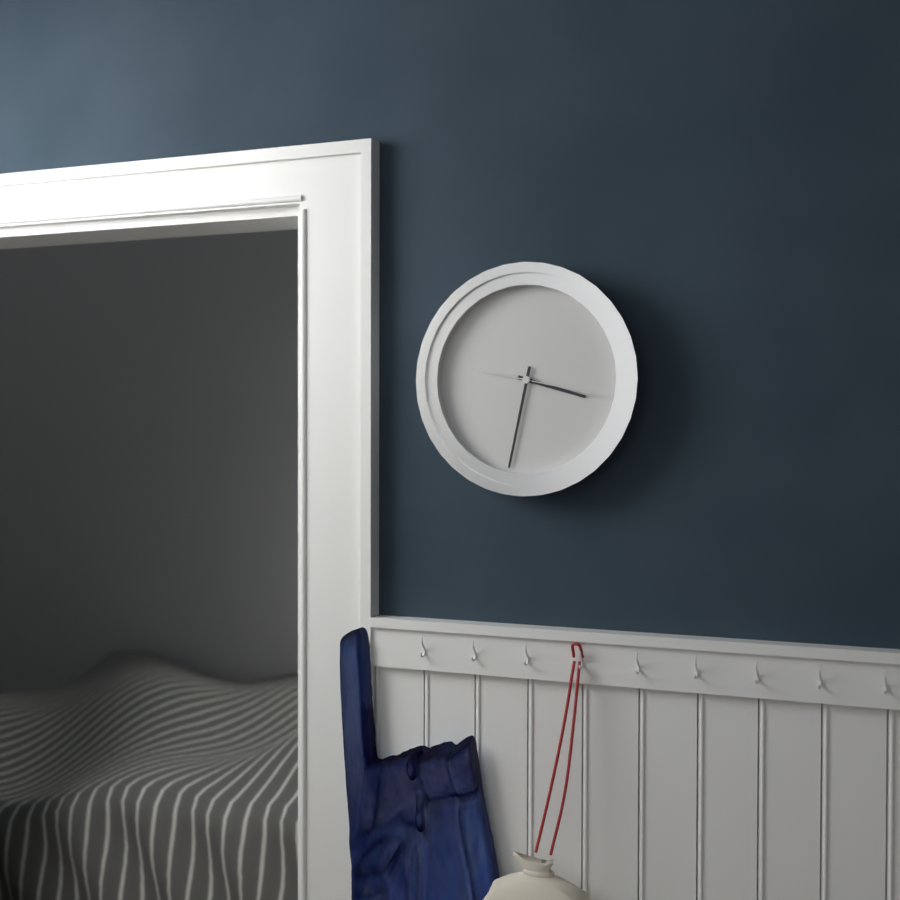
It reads 3:32:17
